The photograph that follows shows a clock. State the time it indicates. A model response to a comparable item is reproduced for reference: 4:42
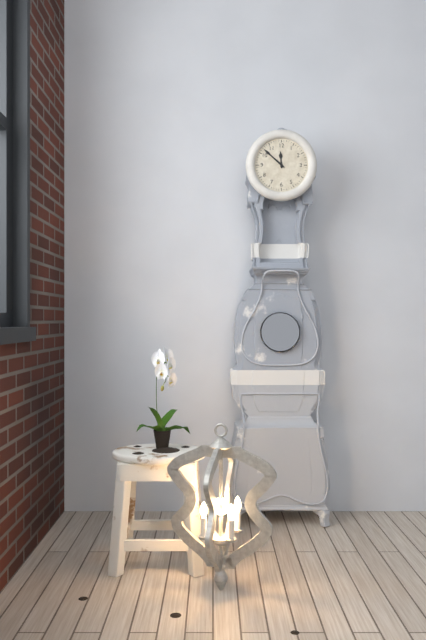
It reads 11:52
